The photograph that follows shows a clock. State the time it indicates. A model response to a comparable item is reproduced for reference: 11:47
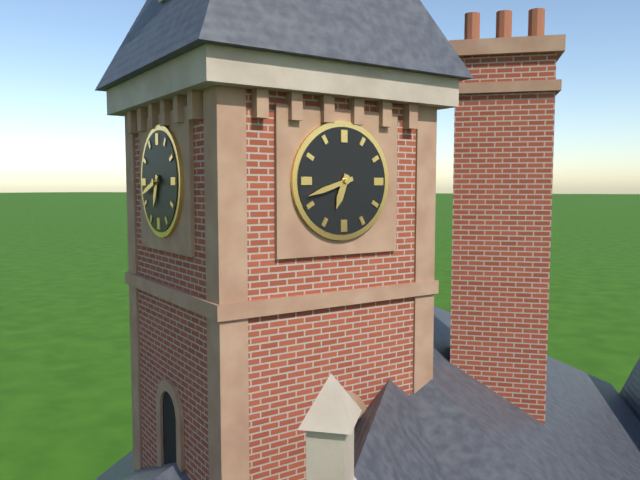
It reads 6:42
